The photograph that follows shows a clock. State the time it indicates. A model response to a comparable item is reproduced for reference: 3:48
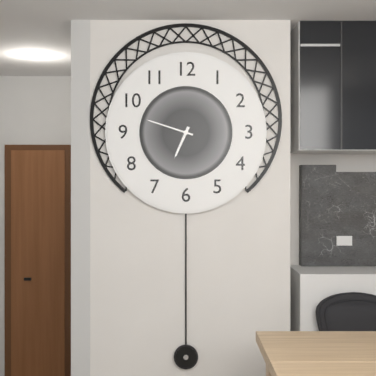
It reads 6:48
